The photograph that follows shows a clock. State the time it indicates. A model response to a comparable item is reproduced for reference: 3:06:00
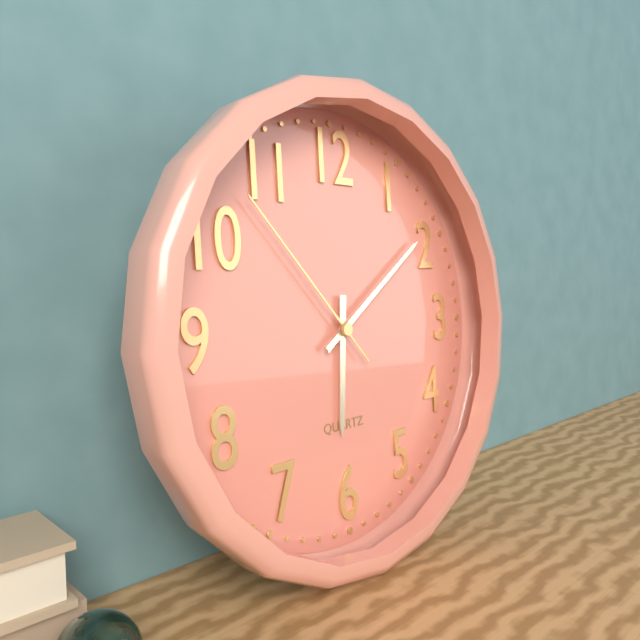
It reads 6:09:53
